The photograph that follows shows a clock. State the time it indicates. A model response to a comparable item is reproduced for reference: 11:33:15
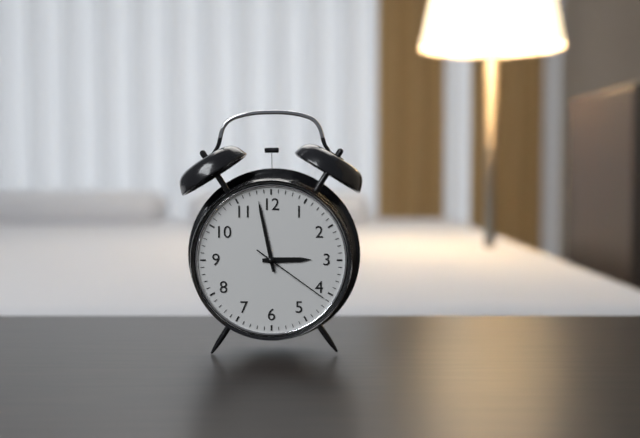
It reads 2:58:21
